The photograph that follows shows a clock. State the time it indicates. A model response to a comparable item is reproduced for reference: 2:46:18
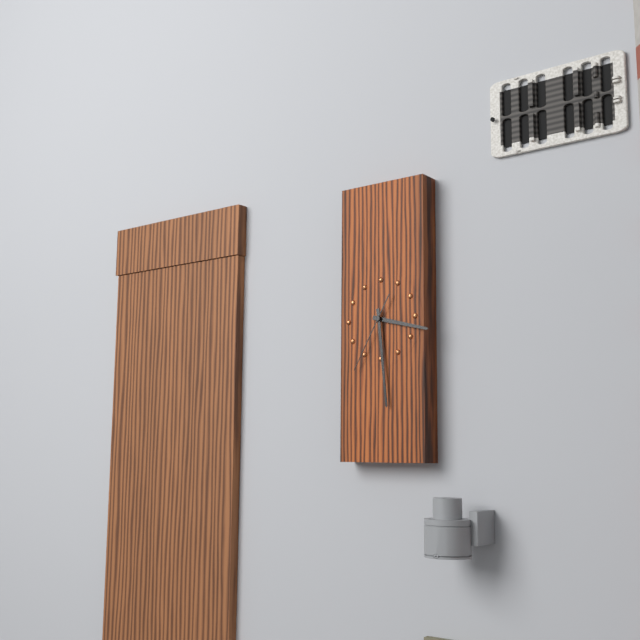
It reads 3:29:35
